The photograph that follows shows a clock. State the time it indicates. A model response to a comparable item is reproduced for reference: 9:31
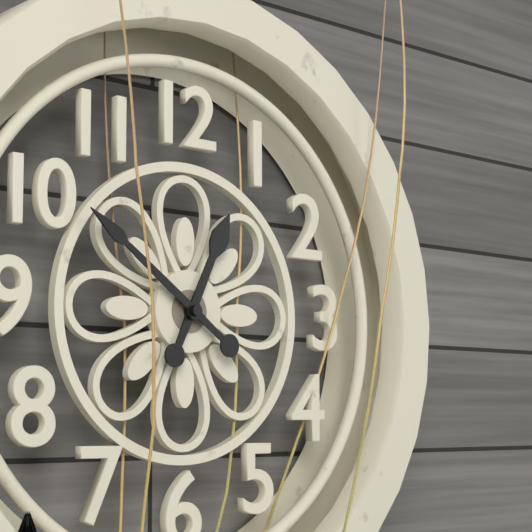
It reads 12:51
